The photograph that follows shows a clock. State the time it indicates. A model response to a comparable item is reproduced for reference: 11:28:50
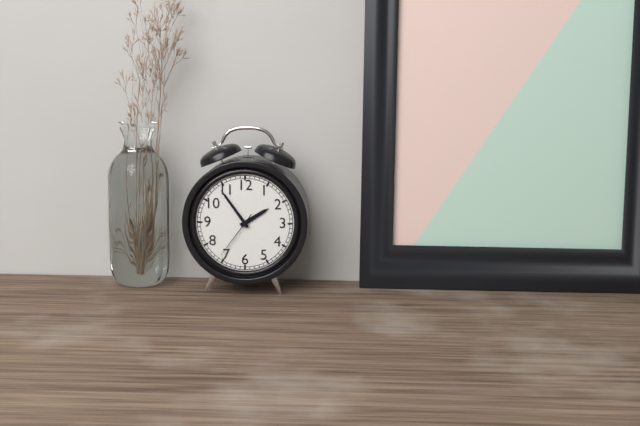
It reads 1:54:36
